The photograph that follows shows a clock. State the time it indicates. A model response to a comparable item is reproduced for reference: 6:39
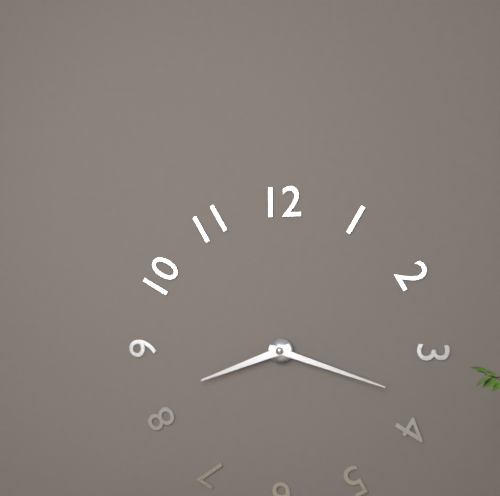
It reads 8:18
